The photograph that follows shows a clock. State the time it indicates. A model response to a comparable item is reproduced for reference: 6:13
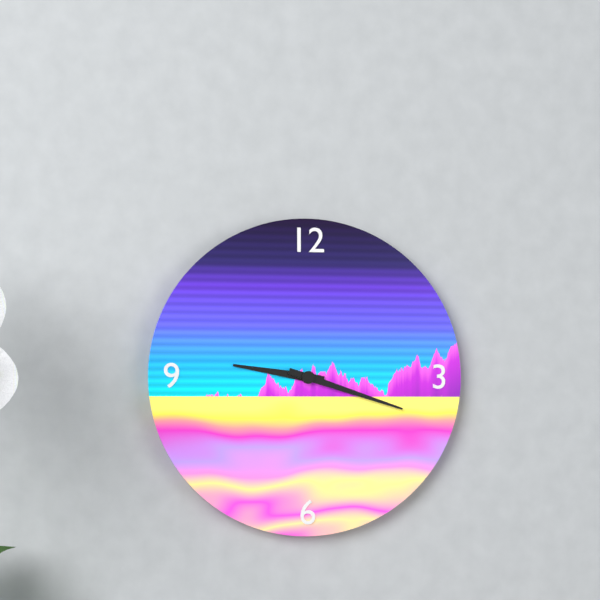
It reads 9:18
